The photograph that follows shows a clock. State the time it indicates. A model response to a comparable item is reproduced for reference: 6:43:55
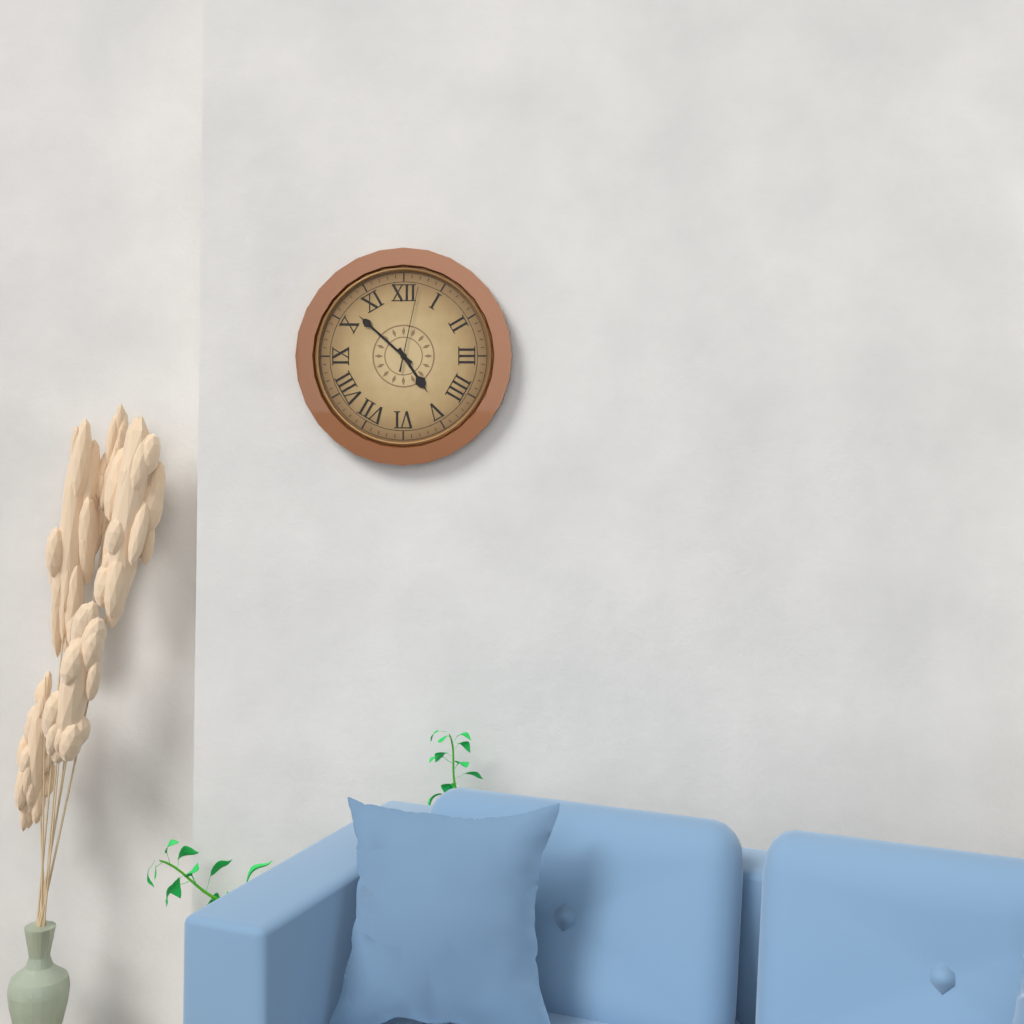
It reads 4:52:02
